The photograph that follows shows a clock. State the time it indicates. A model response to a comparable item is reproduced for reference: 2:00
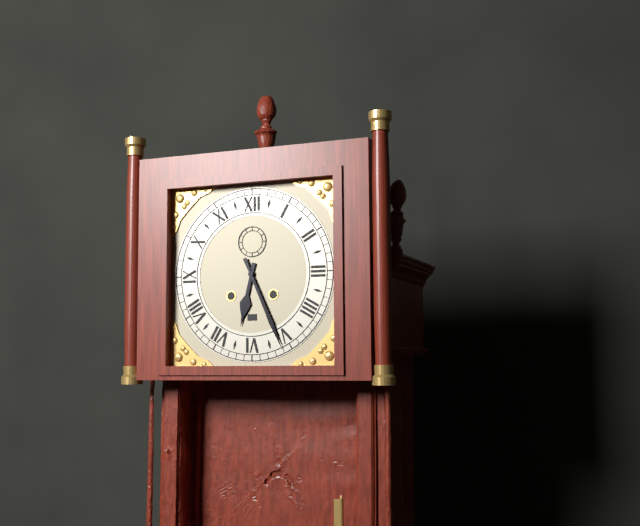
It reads 6:26
